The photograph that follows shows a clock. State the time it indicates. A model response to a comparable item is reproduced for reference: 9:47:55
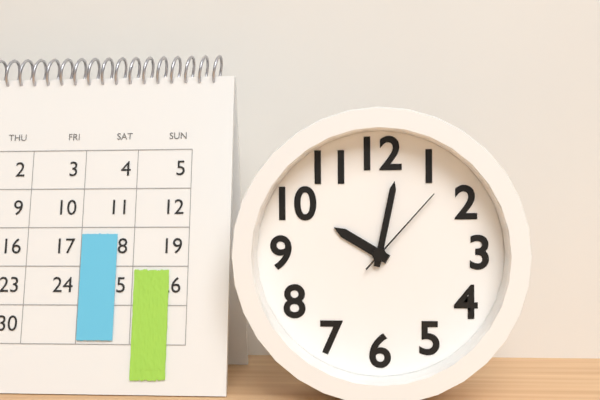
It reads 10:02:07
